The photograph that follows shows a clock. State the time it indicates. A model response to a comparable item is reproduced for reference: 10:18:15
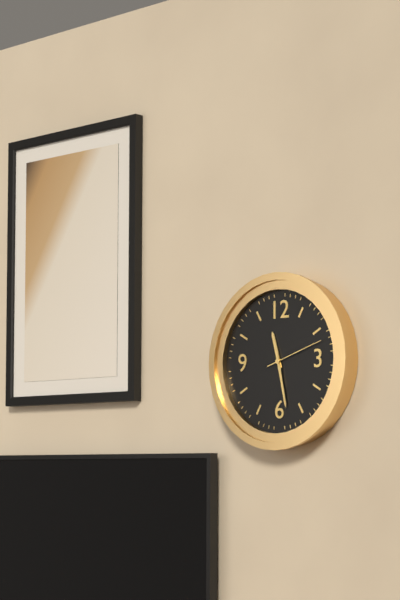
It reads 11:28:12
